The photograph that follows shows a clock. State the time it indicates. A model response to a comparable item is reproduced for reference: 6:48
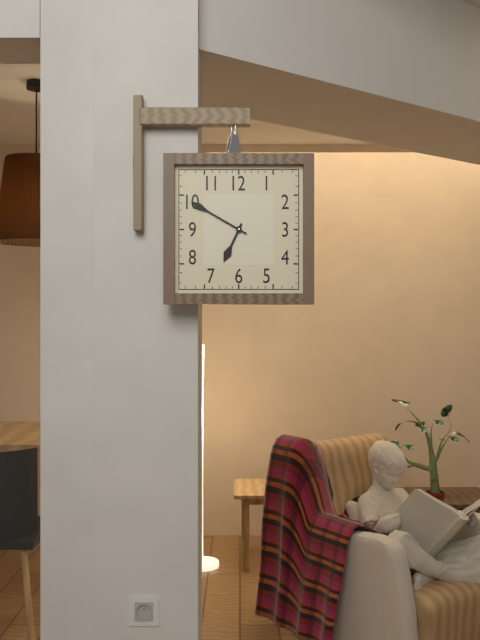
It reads 6:50
